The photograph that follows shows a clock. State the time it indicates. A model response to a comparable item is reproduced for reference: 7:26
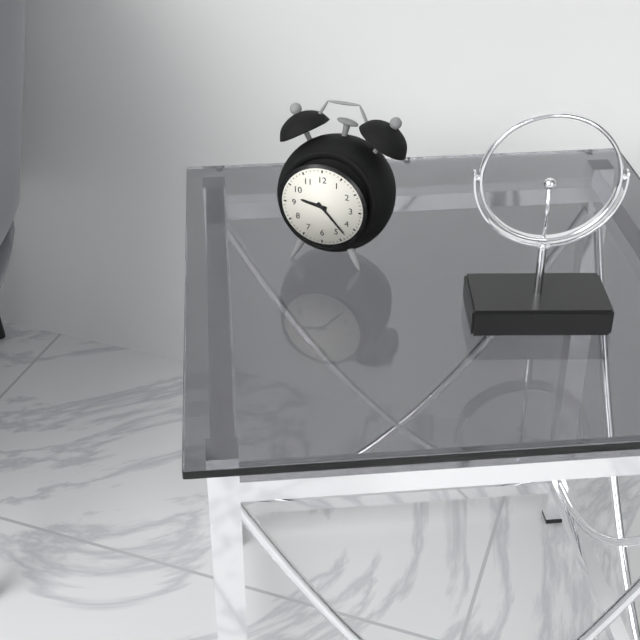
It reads 9:23
